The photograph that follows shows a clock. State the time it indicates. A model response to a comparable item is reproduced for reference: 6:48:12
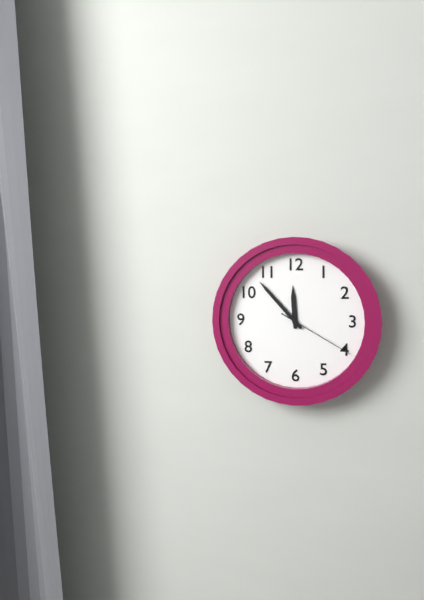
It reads 11:53:20
